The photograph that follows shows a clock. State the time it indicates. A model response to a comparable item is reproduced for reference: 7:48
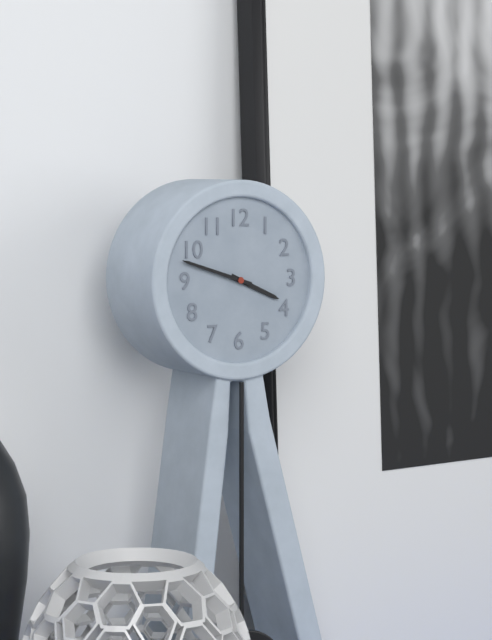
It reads 3:48
